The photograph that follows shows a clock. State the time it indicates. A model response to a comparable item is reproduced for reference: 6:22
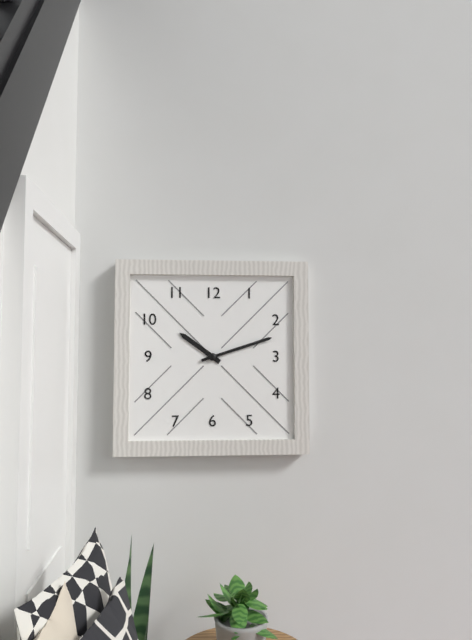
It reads 10:12
